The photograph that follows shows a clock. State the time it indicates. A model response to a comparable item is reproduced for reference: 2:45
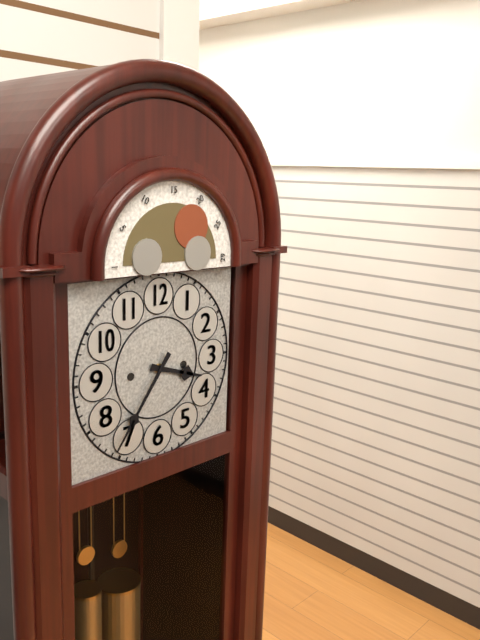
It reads 3:36
